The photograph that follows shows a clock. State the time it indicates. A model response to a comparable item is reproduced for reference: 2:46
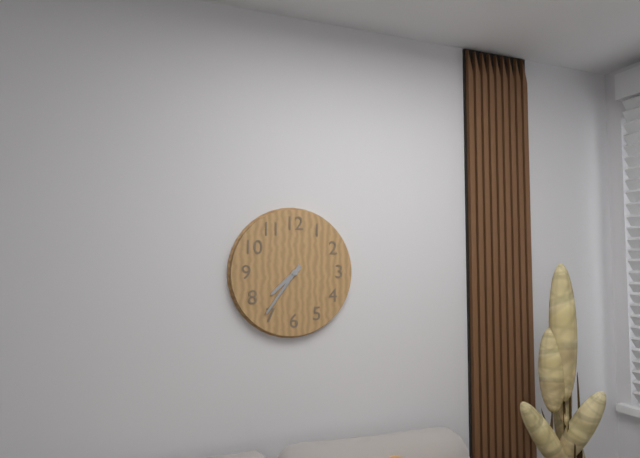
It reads 7:36
